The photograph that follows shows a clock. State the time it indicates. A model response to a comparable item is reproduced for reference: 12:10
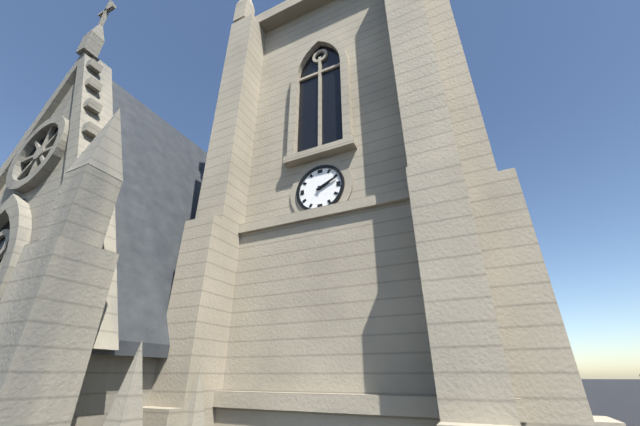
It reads 2:11
